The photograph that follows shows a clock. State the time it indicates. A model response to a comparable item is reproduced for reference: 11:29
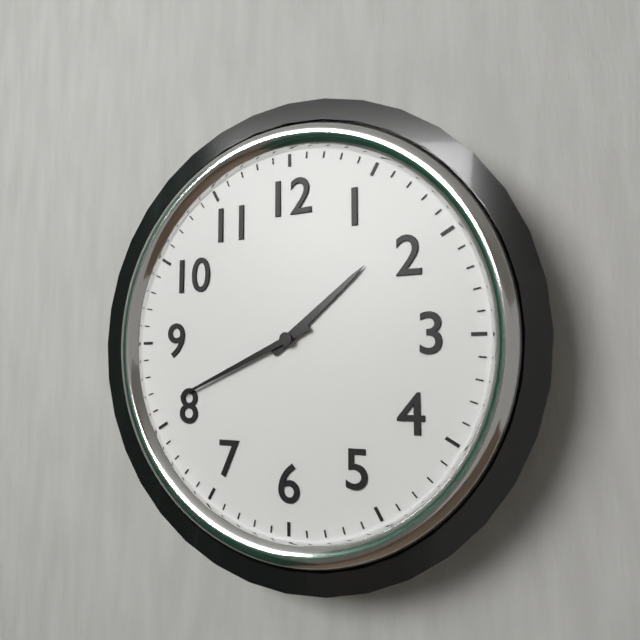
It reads 1:41
